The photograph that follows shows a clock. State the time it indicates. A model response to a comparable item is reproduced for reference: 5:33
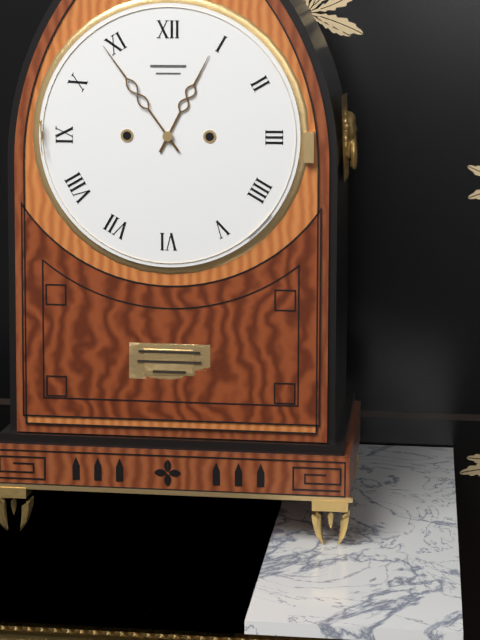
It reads 12:54
